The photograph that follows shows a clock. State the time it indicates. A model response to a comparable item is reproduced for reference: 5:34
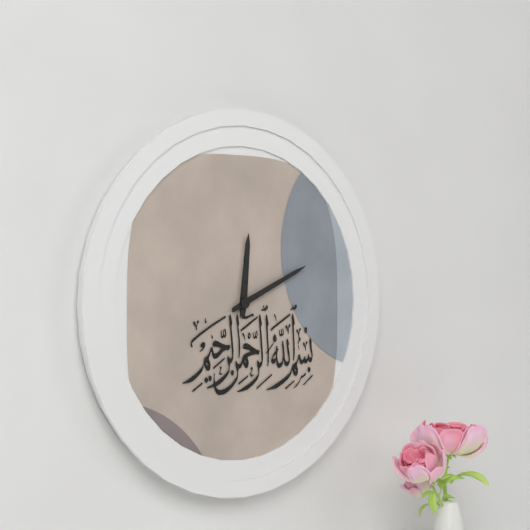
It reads 12:11
